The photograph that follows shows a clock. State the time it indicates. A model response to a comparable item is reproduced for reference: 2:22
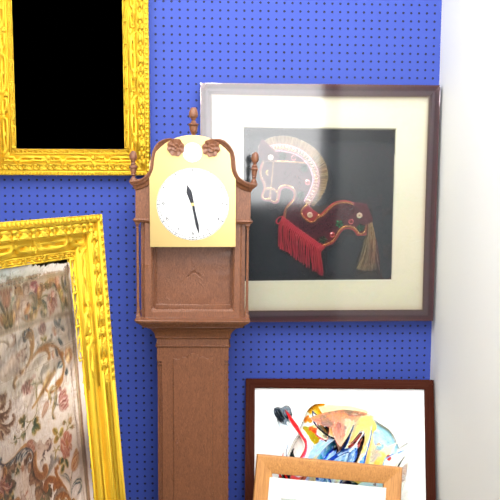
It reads 11:28
